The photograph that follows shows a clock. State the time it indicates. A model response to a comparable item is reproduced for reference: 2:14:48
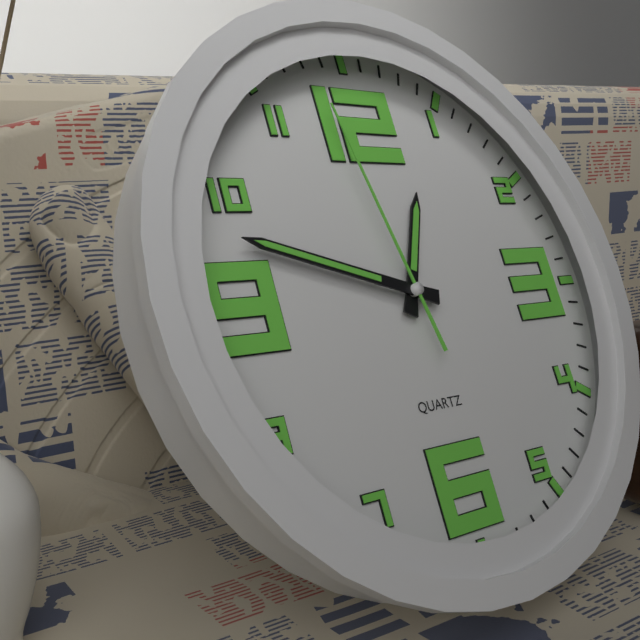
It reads 12:48:58
